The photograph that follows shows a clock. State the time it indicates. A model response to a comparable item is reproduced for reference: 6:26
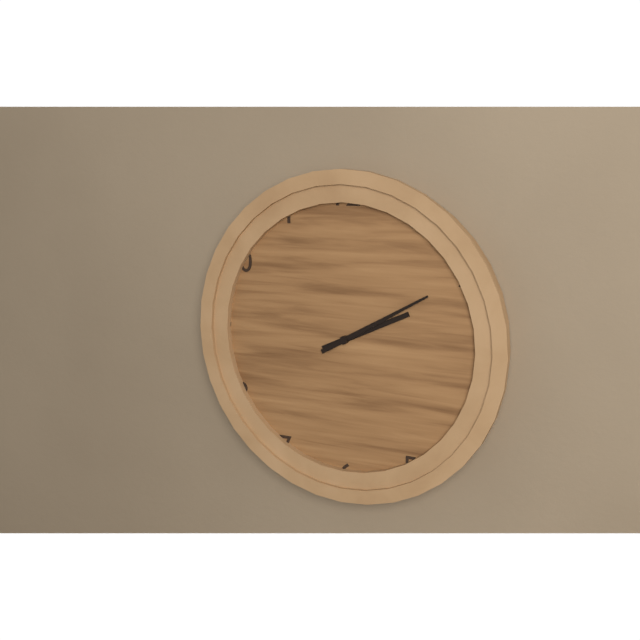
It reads 2:10
